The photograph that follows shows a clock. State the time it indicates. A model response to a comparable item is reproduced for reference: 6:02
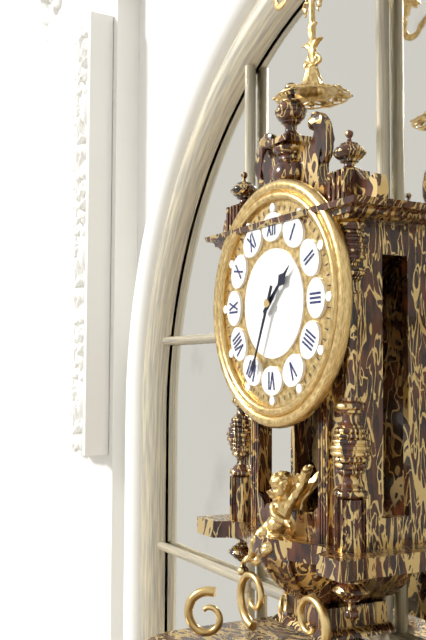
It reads 1:34
